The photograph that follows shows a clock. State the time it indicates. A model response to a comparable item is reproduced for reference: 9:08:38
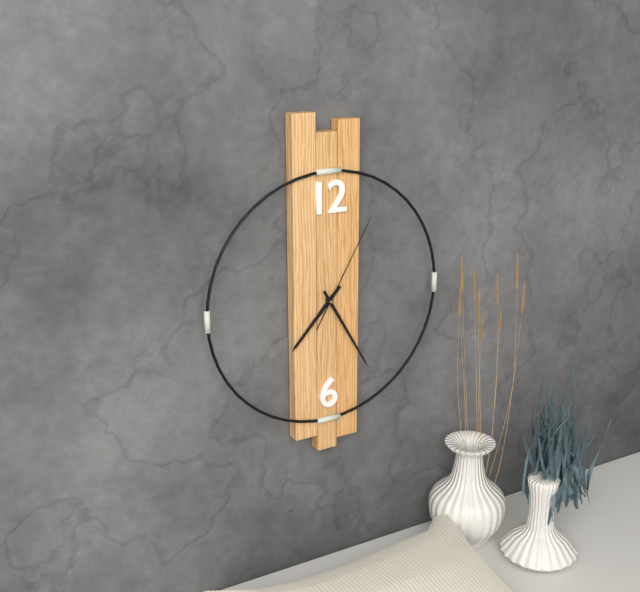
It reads 7:25:05
